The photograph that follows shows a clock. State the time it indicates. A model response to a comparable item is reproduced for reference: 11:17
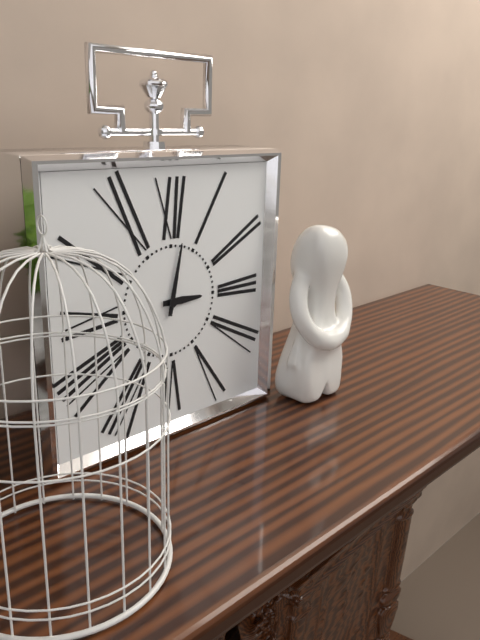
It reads 3:02
